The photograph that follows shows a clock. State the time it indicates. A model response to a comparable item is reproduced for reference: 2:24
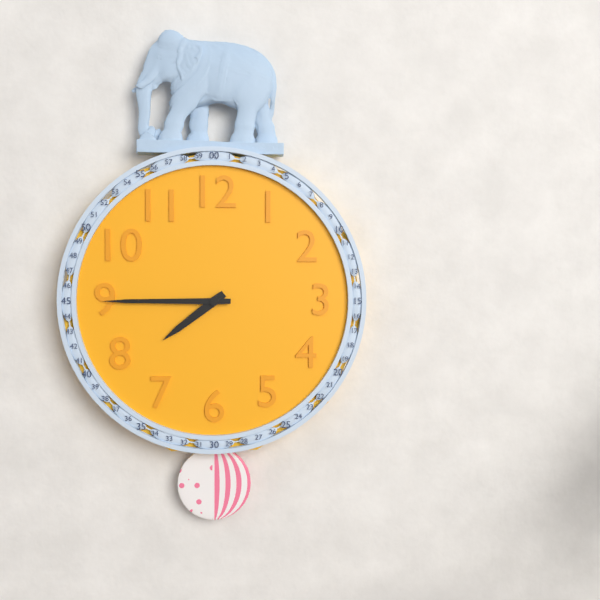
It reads 7:45
